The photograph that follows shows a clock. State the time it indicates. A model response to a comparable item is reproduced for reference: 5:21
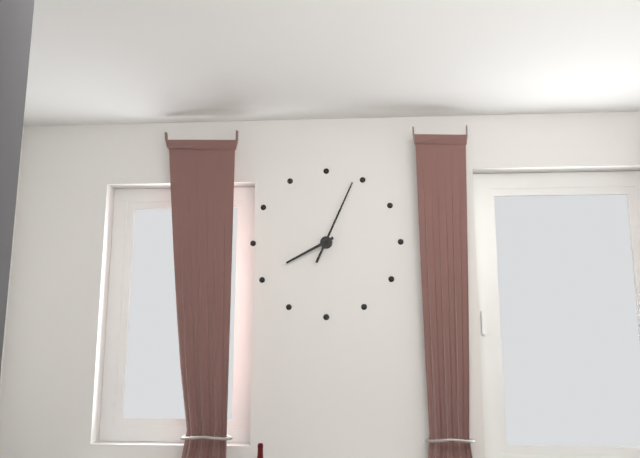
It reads 8:04
